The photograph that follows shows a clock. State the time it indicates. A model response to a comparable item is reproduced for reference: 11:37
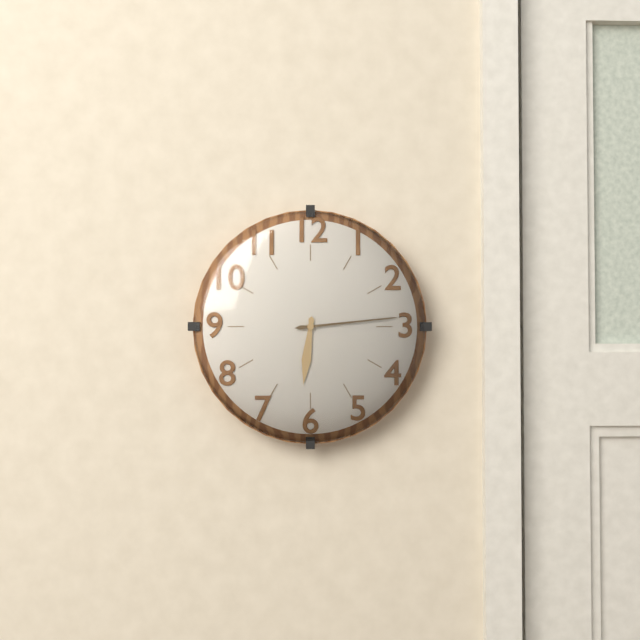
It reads 6:14
